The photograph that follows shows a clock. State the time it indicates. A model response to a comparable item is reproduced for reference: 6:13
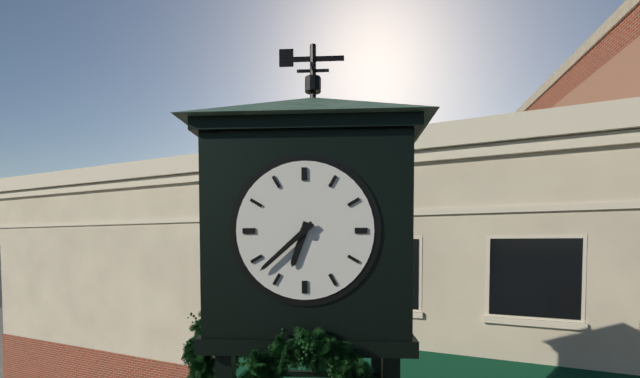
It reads 6:38
